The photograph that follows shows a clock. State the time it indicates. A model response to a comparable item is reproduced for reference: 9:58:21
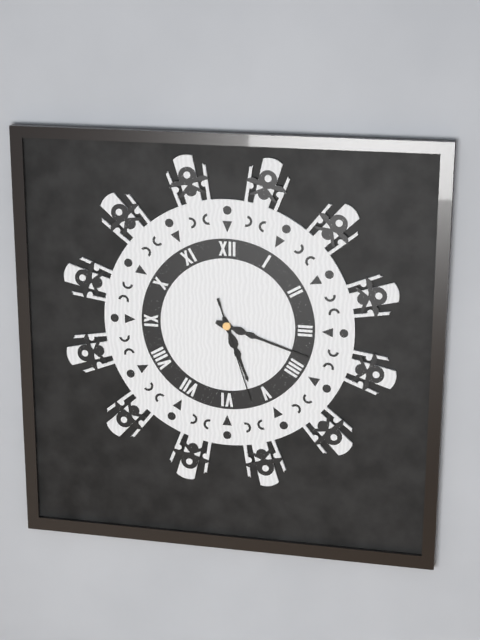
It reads 5:18:27
